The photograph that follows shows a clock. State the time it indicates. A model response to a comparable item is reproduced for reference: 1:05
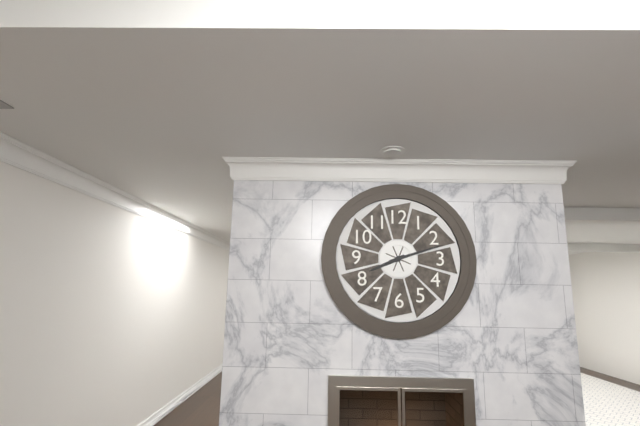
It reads 8:12
